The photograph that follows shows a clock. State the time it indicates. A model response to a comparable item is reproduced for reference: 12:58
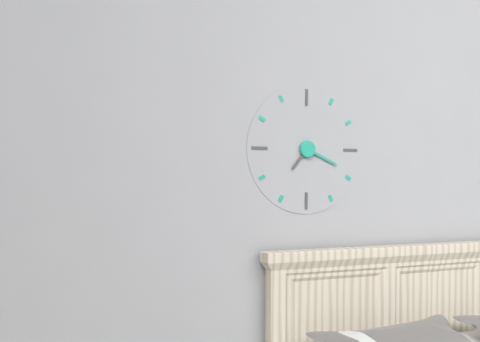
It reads 7:19
